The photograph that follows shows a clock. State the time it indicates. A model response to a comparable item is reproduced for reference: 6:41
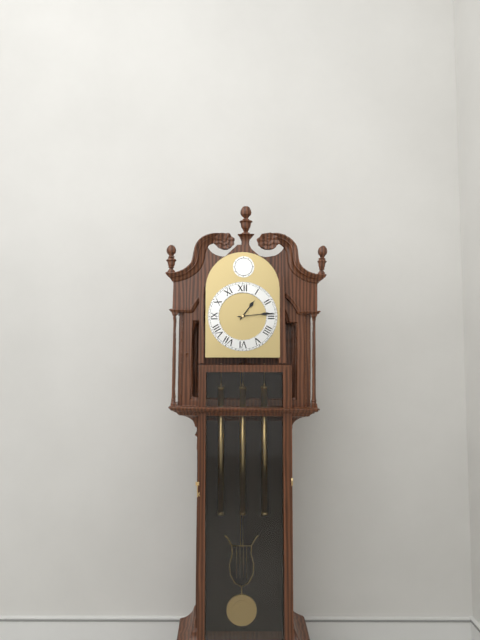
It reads 1:14
